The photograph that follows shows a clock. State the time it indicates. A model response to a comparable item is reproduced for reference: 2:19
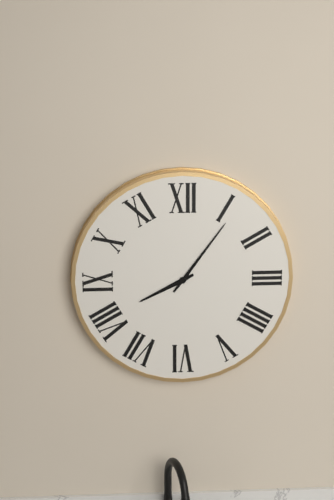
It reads 8:06
